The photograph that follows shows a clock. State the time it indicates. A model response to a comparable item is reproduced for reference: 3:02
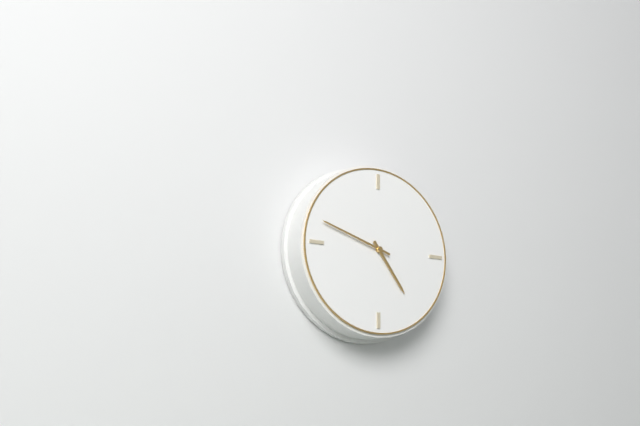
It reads 4:48
